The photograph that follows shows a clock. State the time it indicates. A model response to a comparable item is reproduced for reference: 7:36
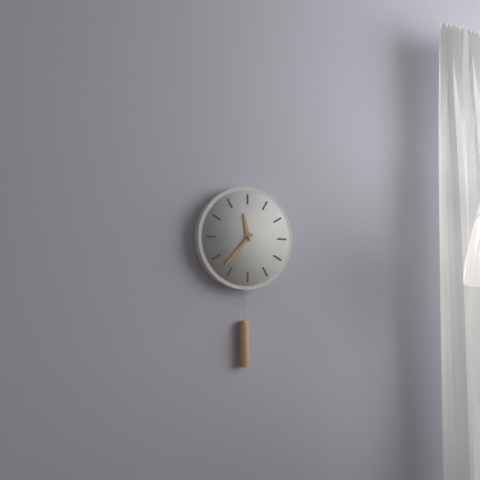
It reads 11:37
